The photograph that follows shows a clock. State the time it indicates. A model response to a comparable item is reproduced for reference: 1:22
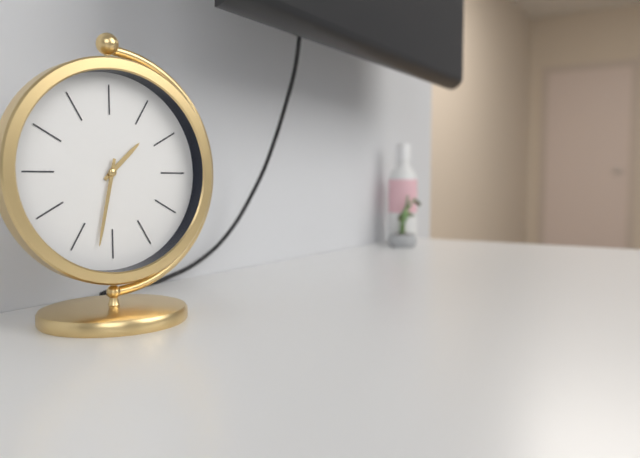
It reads 1:32
